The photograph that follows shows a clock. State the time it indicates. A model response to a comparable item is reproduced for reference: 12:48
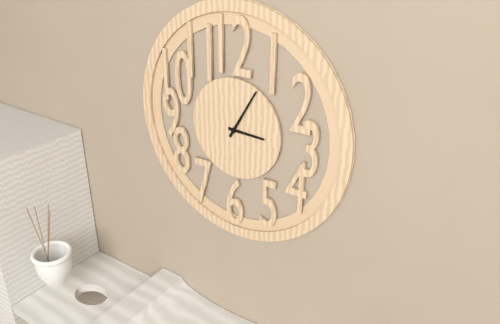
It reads 3:05
